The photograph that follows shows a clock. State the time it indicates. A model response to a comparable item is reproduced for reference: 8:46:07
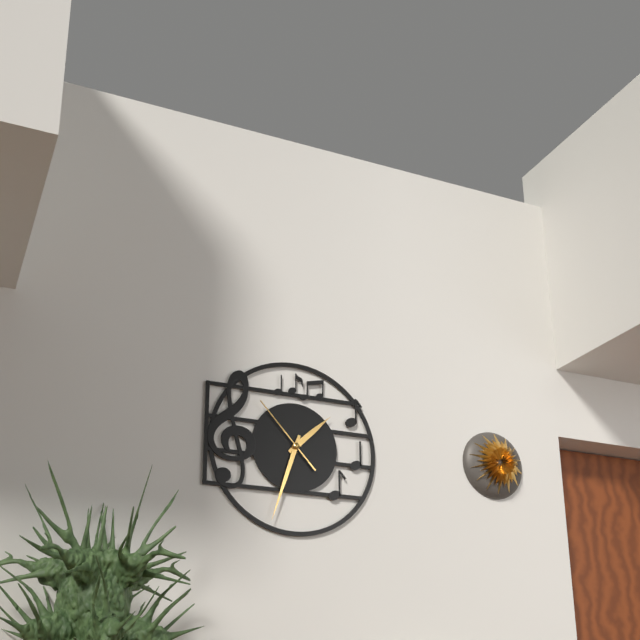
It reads 1:33:53
